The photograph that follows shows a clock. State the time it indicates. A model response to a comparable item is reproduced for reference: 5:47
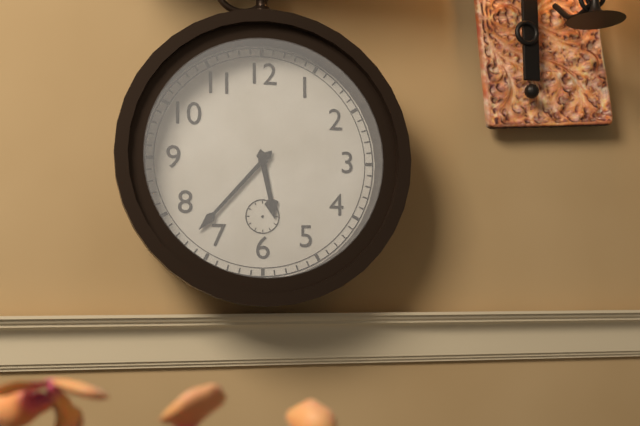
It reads 5:37
